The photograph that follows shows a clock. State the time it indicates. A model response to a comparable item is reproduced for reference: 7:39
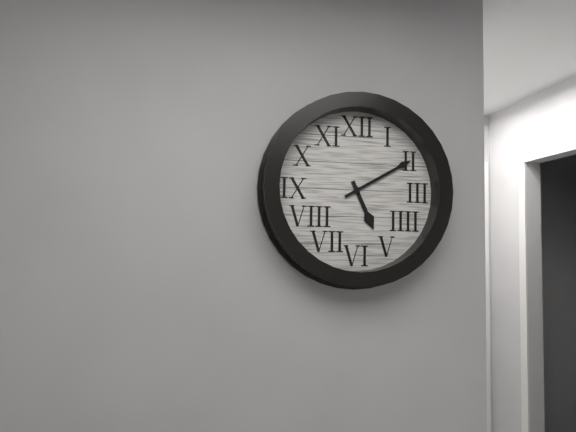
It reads 5:10
